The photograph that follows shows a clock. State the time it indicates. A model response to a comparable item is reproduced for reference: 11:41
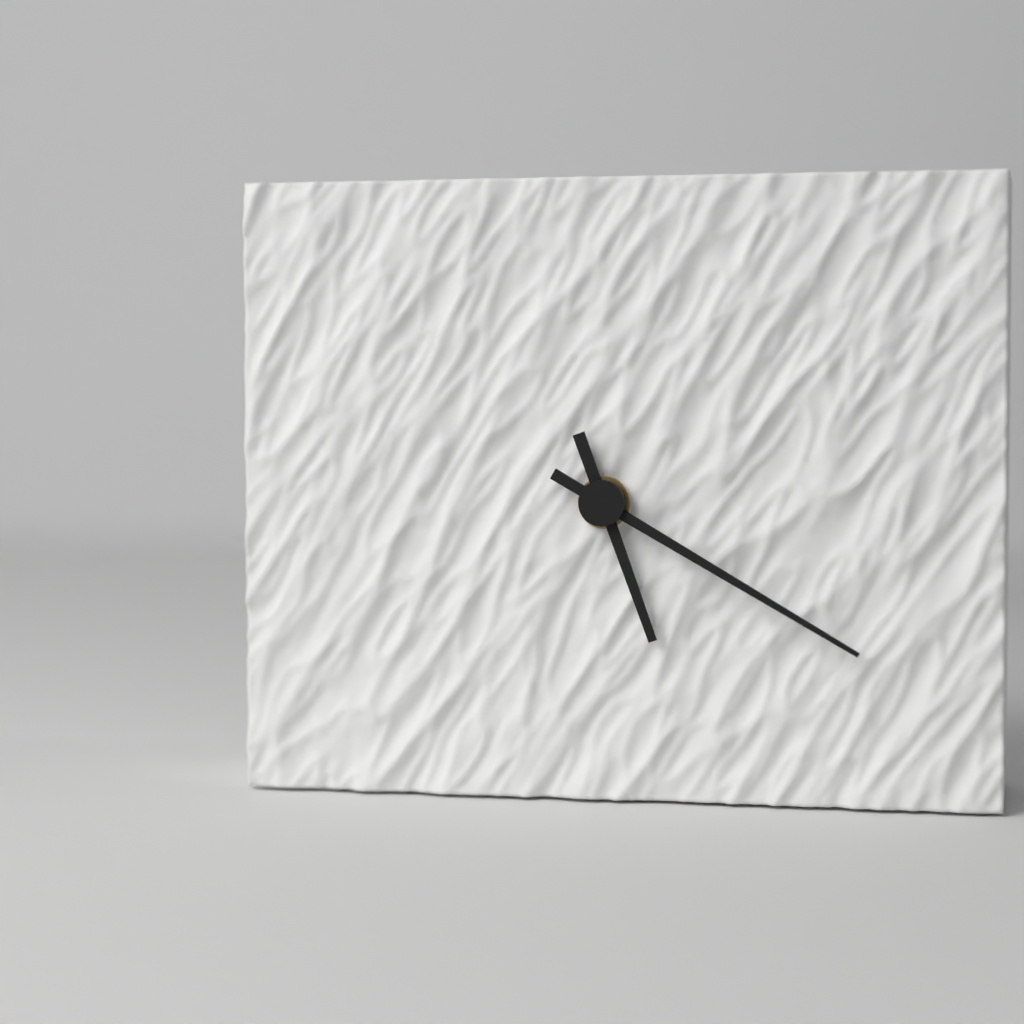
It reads 5:20
